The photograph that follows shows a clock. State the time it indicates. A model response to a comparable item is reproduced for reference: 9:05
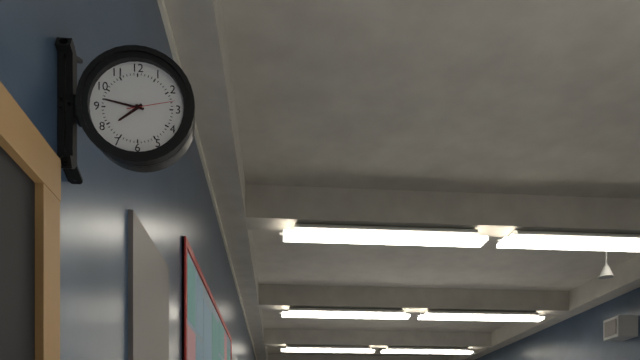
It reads 7:47
